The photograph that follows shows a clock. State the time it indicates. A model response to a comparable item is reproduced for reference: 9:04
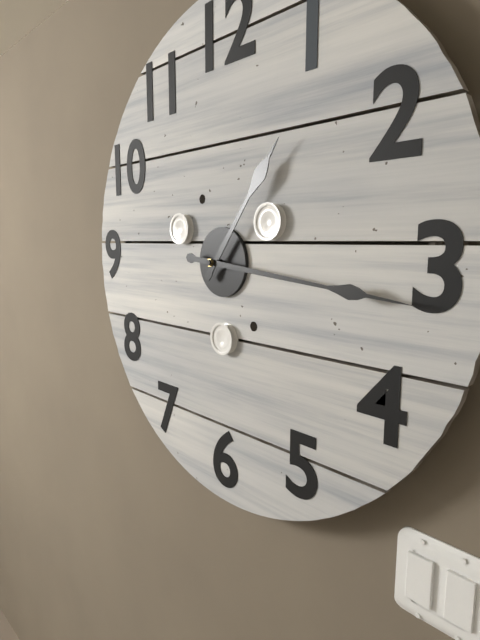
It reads 1:16
